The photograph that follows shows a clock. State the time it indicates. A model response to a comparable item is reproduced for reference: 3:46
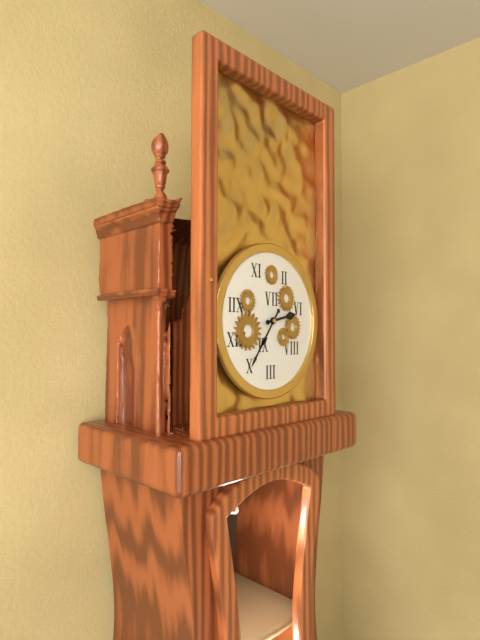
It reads 2:36
